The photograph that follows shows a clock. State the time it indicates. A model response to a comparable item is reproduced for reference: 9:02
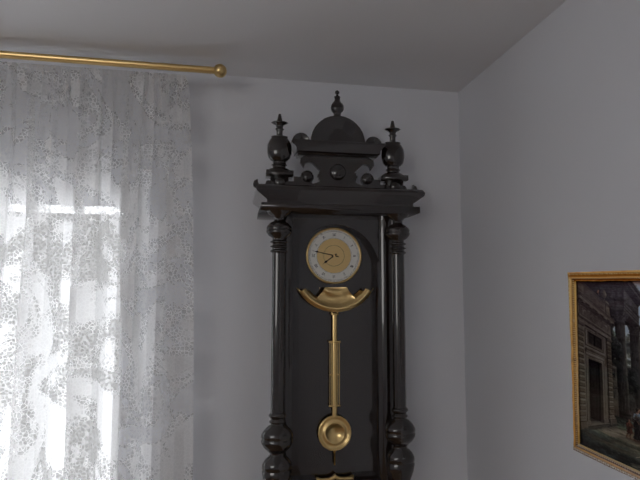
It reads 7:47
